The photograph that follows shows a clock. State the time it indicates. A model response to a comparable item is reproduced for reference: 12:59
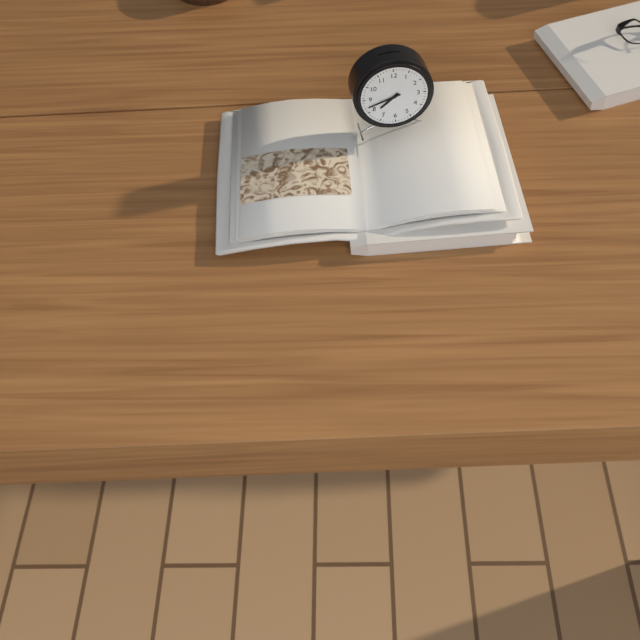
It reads 7:42
